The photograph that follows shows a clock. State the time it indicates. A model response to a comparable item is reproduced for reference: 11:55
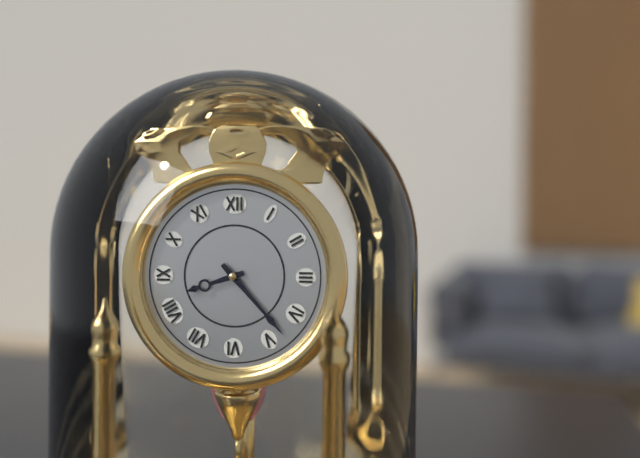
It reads 8:23
